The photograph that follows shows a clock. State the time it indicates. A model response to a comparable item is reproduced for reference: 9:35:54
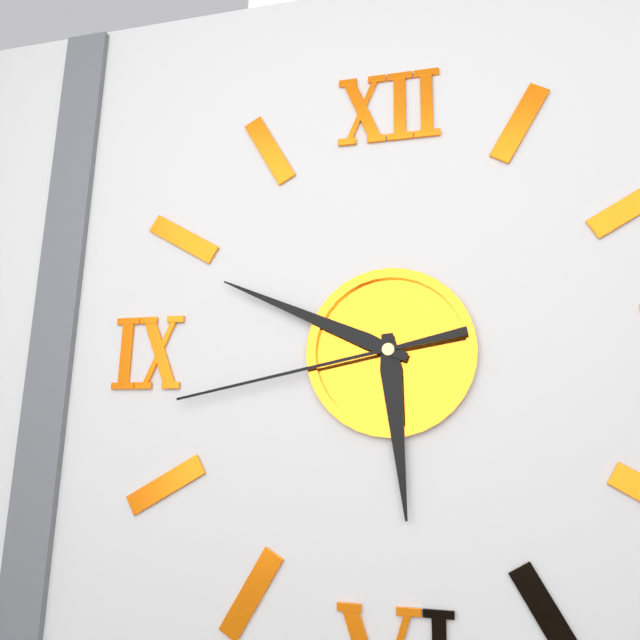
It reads 5:49:43
